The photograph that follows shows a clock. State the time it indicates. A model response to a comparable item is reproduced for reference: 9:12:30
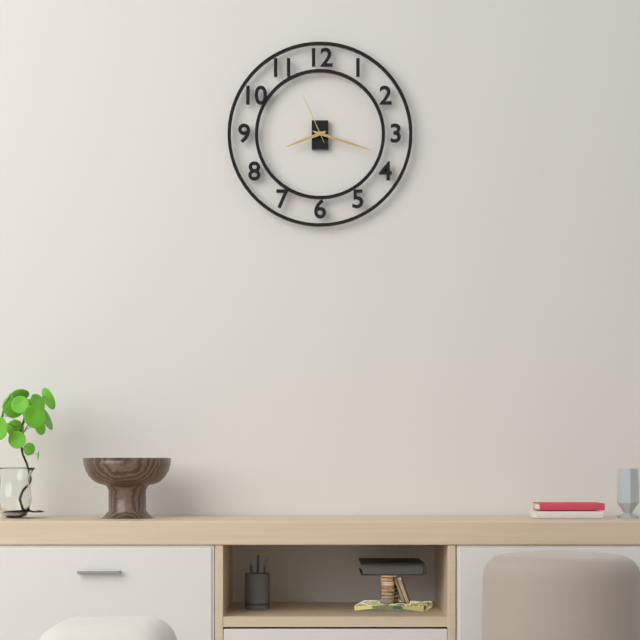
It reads 8:18:56
